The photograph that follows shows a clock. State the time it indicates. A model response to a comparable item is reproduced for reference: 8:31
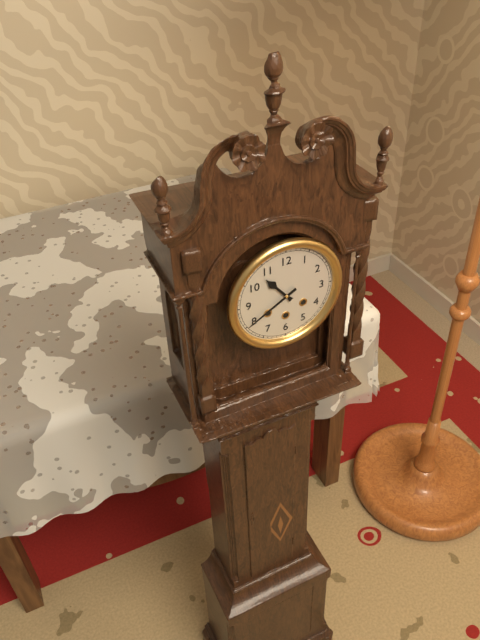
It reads 10:40
